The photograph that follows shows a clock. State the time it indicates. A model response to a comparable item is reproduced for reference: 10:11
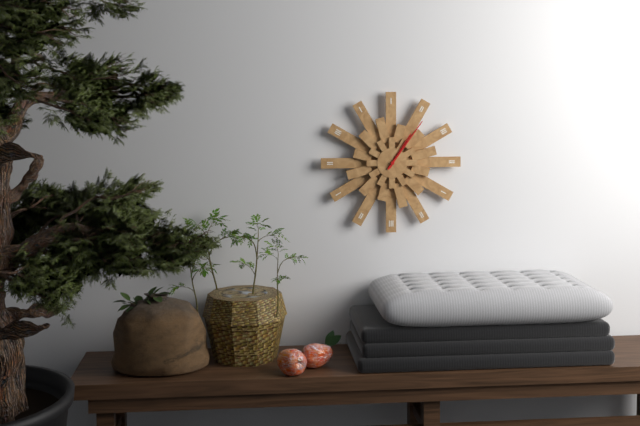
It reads 1:06
